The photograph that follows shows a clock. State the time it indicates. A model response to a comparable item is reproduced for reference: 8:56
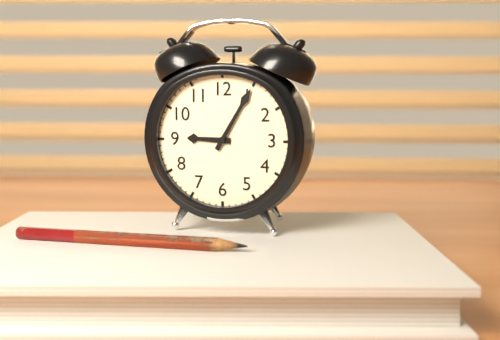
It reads 9:05
